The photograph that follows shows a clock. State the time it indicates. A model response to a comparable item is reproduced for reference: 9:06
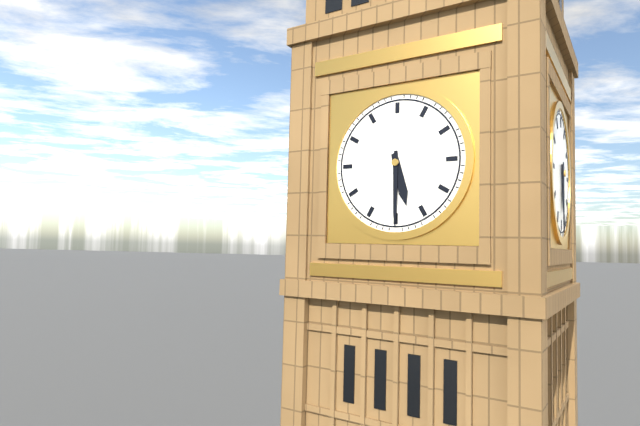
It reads 5:30
